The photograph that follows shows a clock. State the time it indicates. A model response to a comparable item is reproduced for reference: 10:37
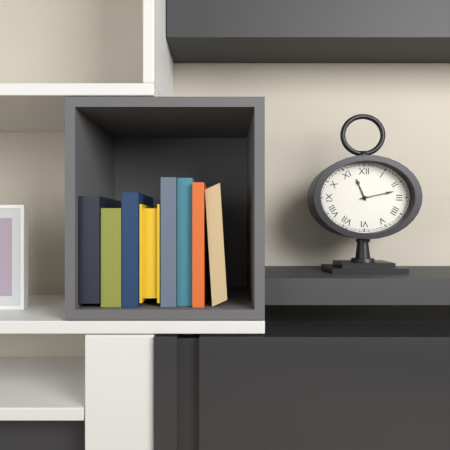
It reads 11:13
